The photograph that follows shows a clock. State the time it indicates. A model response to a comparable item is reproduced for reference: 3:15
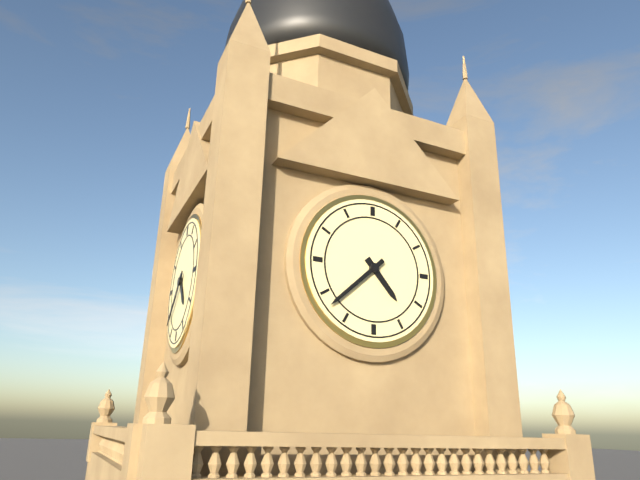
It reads 4:38
